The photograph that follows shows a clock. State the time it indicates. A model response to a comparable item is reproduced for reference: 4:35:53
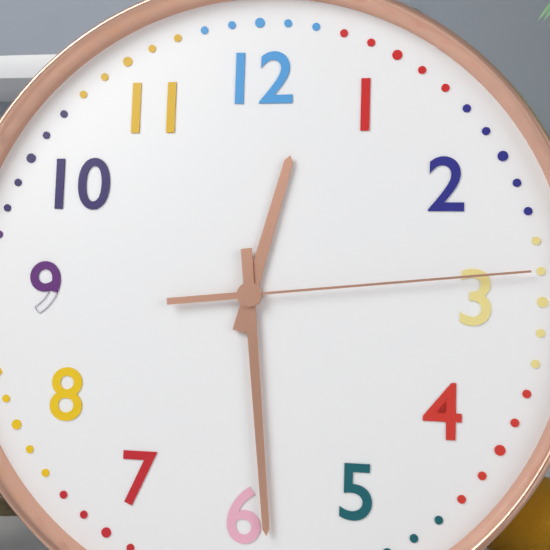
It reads 12:29:14
